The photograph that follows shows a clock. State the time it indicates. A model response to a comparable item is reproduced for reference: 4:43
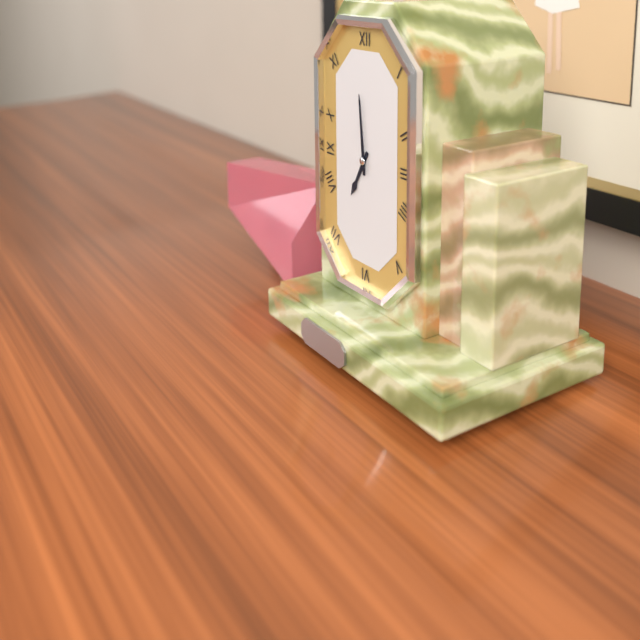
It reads 6:59
